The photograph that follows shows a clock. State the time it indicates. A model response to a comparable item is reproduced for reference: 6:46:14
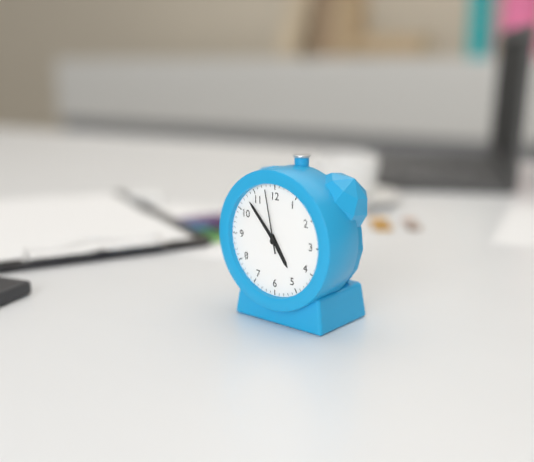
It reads 4:53:58
